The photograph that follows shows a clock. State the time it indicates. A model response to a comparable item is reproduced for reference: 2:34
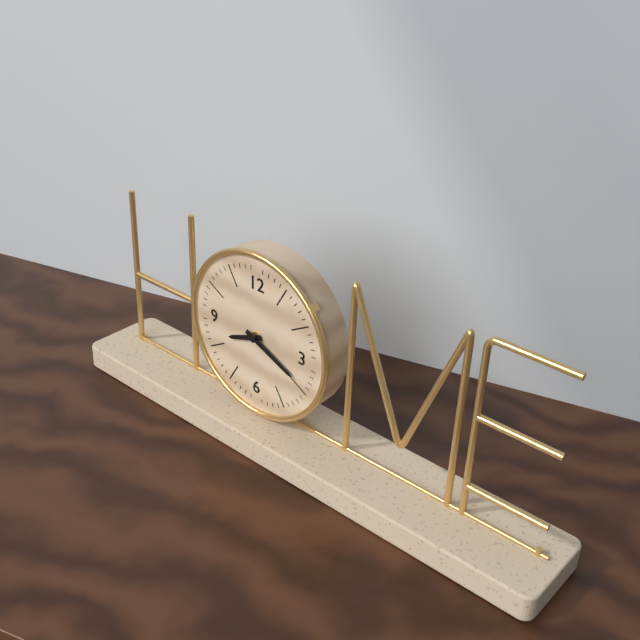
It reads 8:19
